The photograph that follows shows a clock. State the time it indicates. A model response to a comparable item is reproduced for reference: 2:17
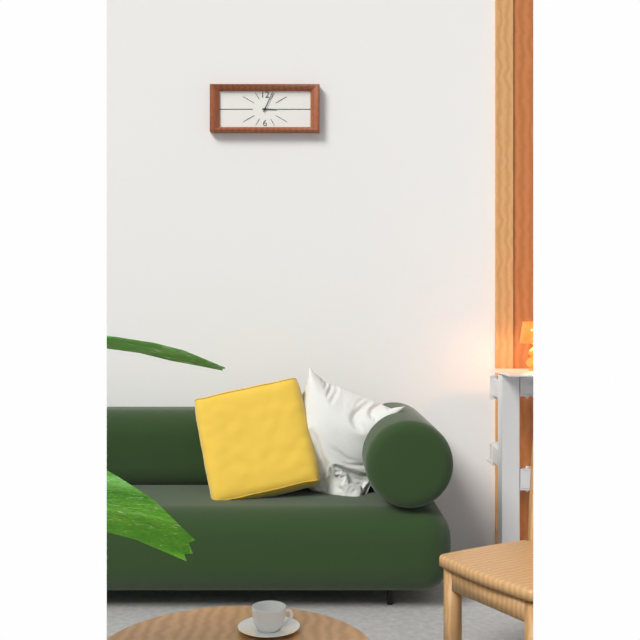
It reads 3:04
